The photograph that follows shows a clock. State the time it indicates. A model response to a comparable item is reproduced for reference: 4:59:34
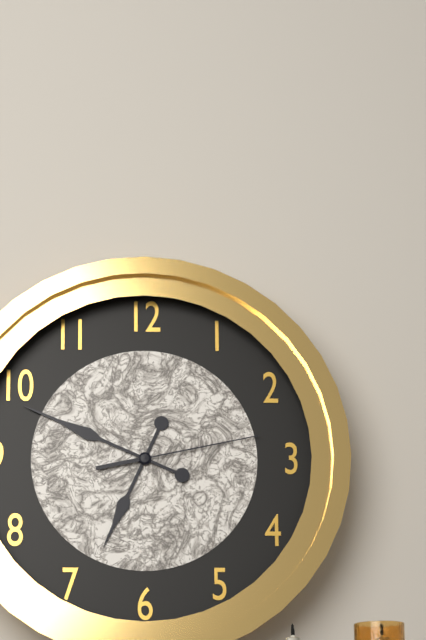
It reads 6:49:13
